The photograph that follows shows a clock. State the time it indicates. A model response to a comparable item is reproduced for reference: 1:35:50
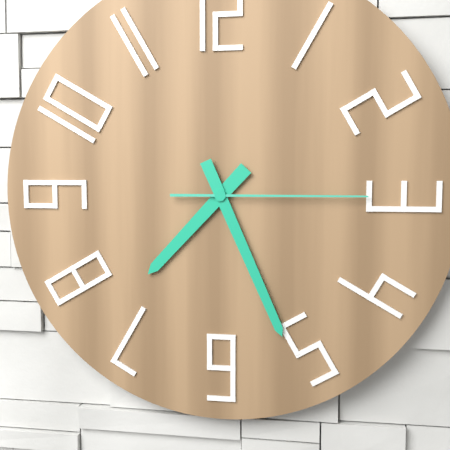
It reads 7:26:15
